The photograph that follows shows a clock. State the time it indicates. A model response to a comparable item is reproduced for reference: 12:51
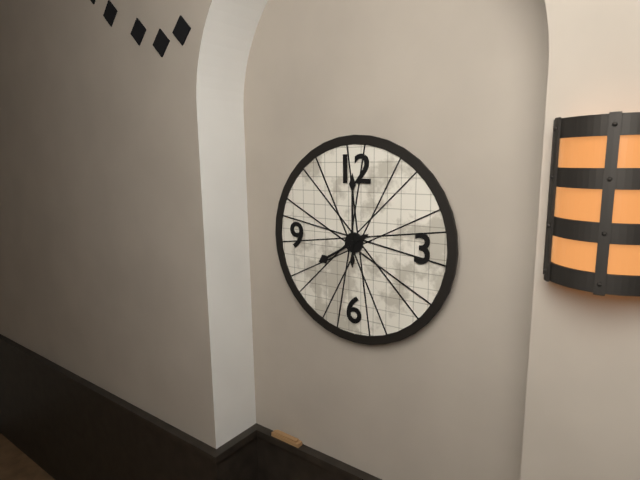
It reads 8:00
